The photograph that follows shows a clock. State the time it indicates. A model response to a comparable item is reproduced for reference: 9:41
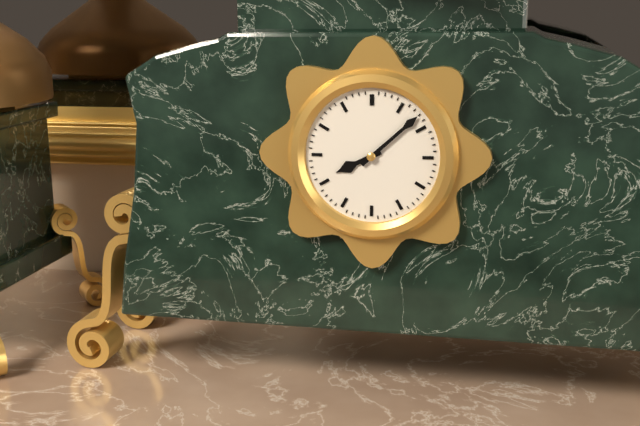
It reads 8:08
